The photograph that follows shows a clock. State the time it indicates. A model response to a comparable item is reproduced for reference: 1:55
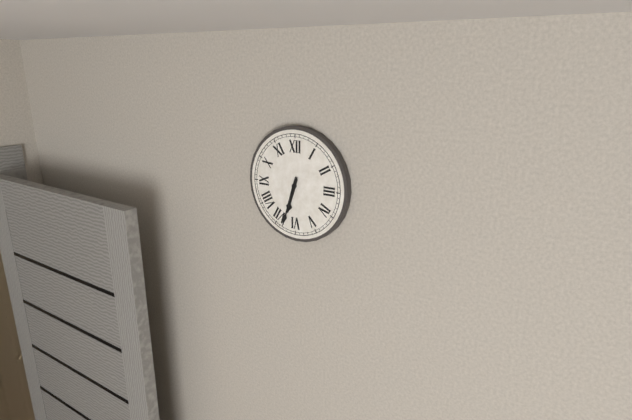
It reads 6:33
